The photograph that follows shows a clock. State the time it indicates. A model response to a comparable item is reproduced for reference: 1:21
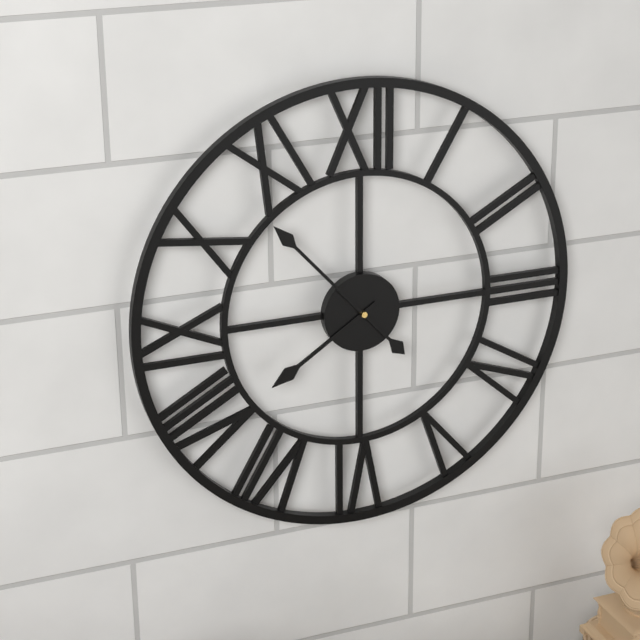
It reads 7:53
